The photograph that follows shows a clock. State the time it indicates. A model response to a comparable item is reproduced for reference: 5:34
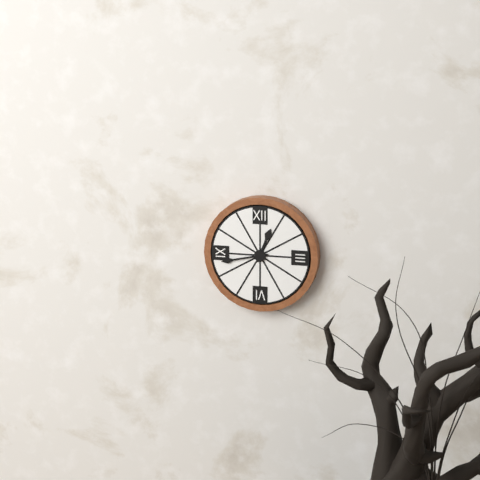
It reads 12:43
